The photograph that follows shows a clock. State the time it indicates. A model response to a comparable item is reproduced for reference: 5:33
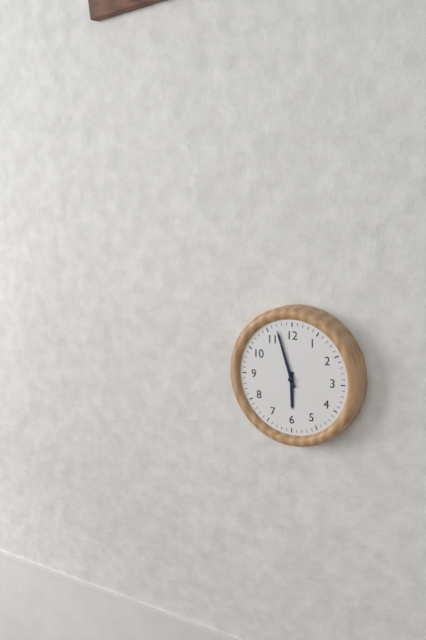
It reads 5:57
